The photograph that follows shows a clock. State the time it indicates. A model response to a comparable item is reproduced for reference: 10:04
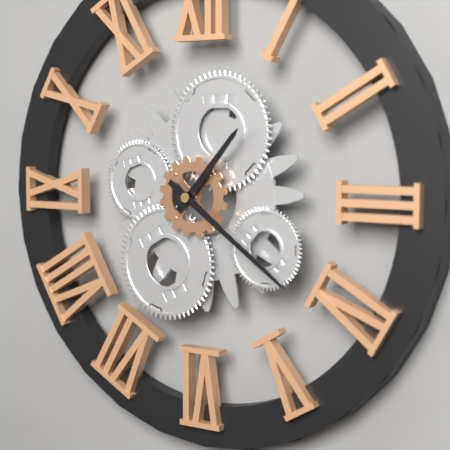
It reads 1:21
